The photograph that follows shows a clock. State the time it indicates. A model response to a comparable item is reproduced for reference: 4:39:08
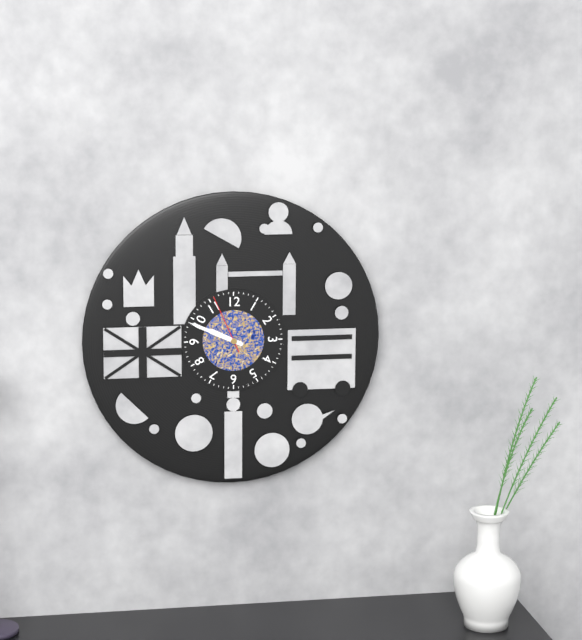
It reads 9:49:56
